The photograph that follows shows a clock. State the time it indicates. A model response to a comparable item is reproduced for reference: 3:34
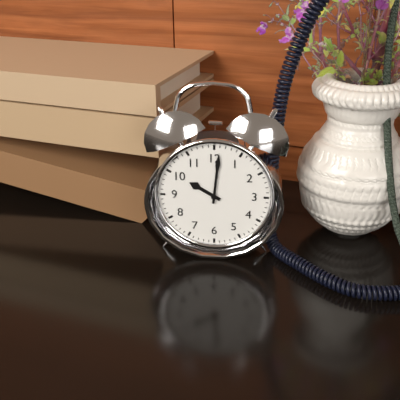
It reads 10:01
